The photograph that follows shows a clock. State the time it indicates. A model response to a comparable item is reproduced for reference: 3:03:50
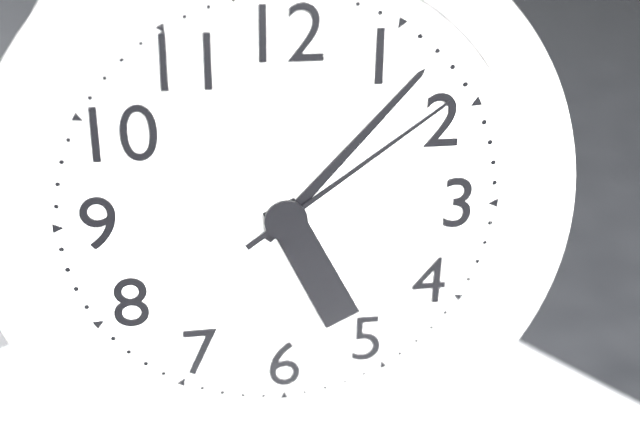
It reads 5:07:09
